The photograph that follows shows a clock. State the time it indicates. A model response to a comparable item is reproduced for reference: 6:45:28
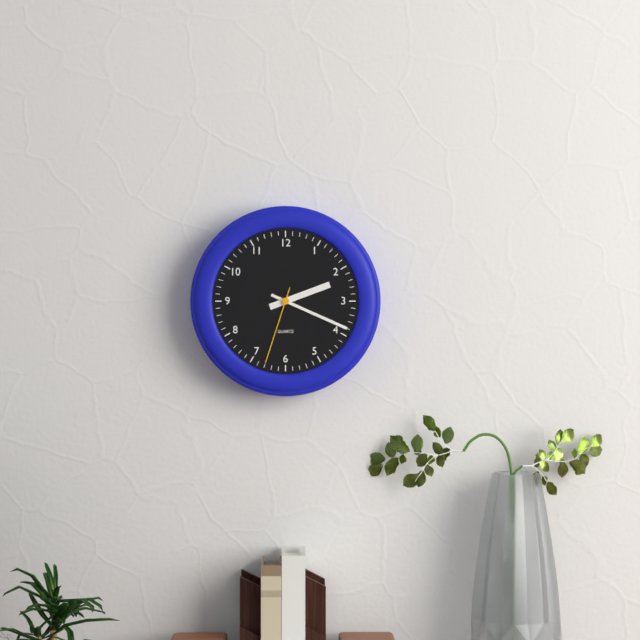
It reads 2:19:33
